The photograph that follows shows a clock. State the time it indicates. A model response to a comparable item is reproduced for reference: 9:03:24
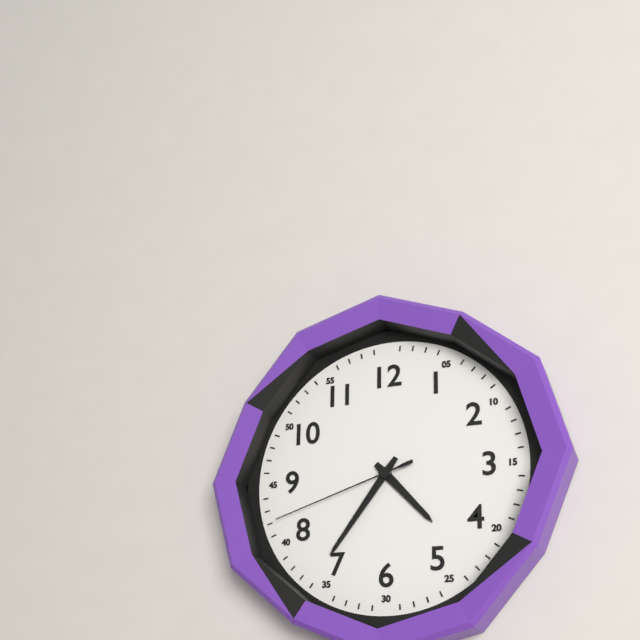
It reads 4:36:42
